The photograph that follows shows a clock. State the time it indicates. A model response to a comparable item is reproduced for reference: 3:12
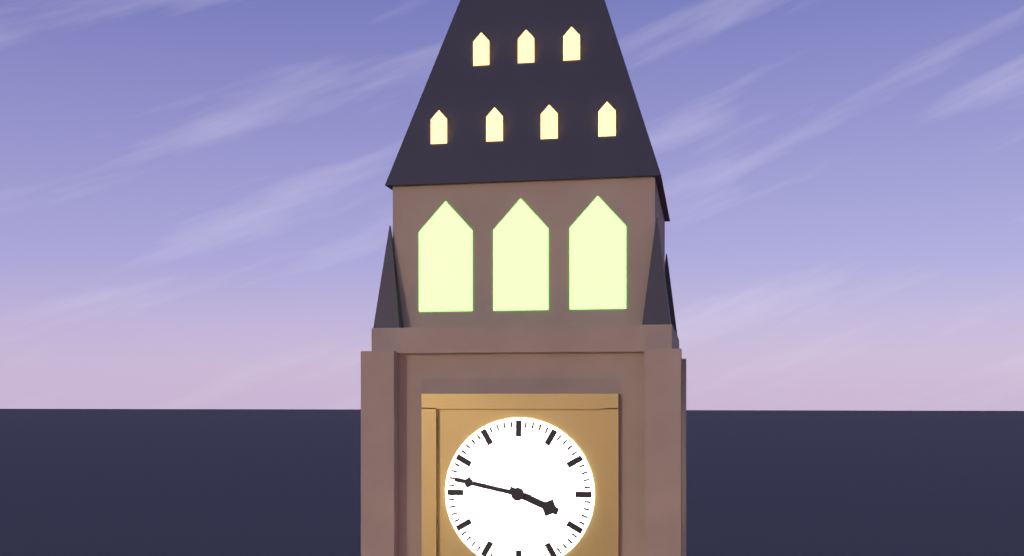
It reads 3:47
